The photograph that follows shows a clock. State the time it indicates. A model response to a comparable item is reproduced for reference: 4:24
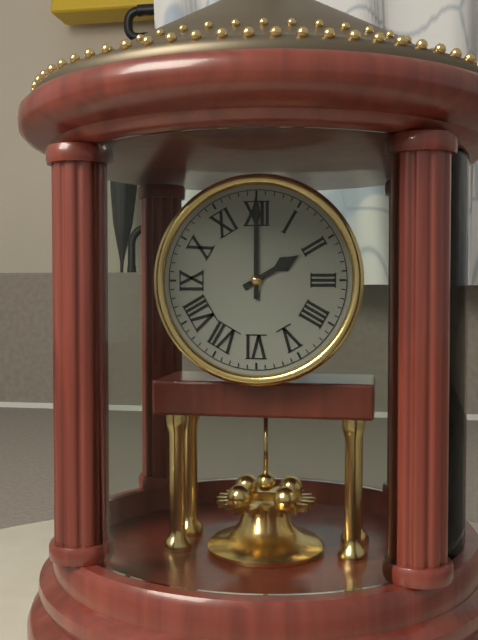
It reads 2:00
